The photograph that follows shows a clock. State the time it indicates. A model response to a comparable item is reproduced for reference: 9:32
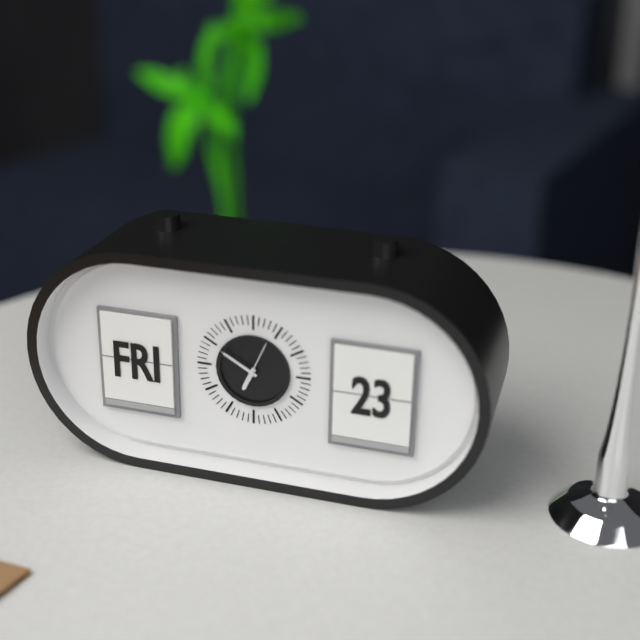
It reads 6:50
